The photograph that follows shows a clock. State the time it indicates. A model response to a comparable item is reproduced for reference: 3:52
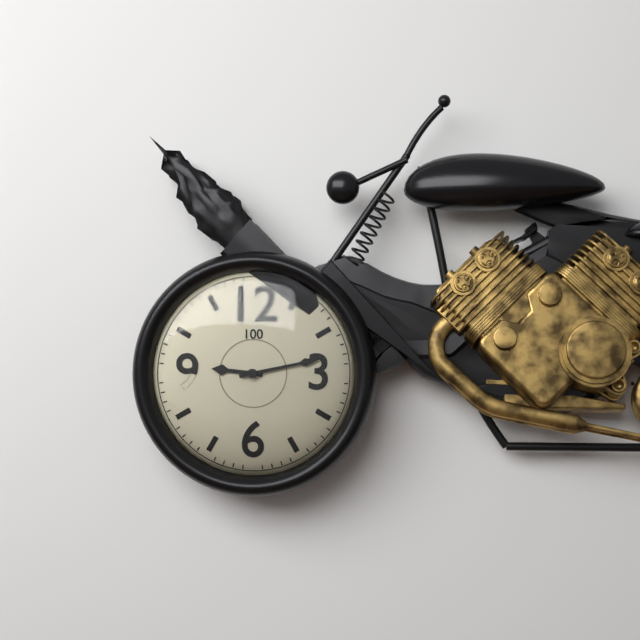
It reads 9:13
